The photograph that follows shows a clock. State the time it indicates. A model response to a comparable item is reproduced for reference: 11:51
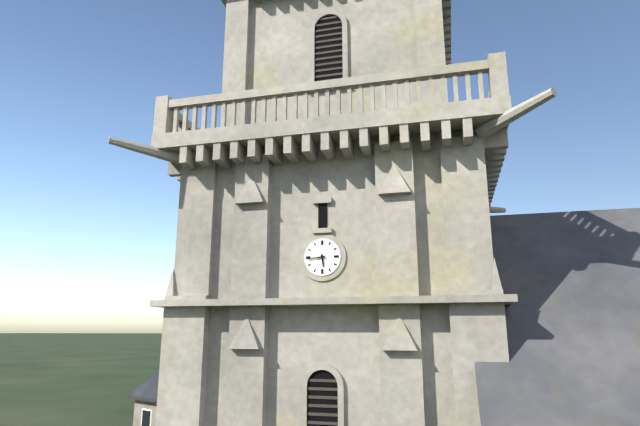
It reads 5:44
